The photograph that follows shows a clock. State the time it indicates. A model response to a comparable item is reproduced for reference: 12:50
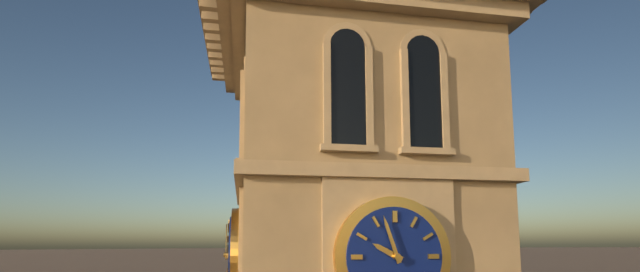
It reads 9:57
